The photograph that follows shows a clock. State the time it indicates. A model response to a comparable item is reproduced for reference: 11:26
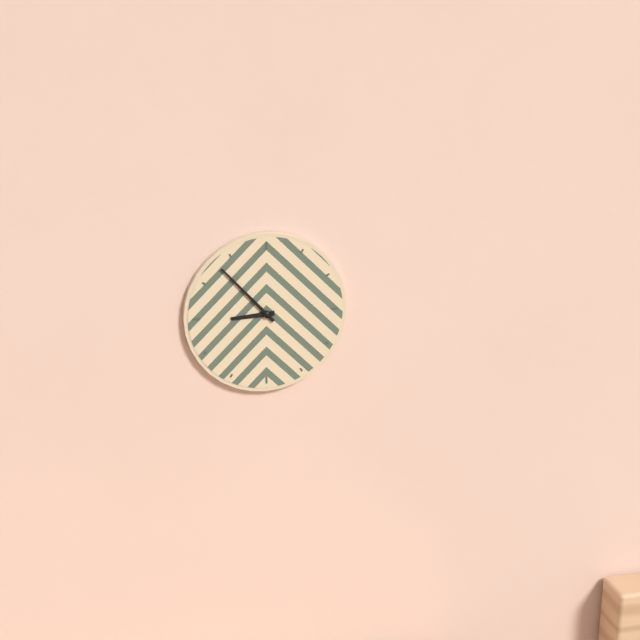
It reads 8:53
